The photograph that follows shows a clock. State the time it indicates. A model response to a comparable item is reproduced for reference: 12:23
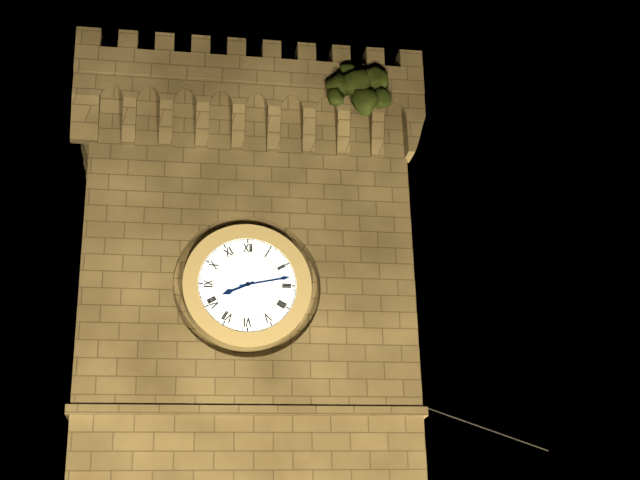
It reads 8:13
